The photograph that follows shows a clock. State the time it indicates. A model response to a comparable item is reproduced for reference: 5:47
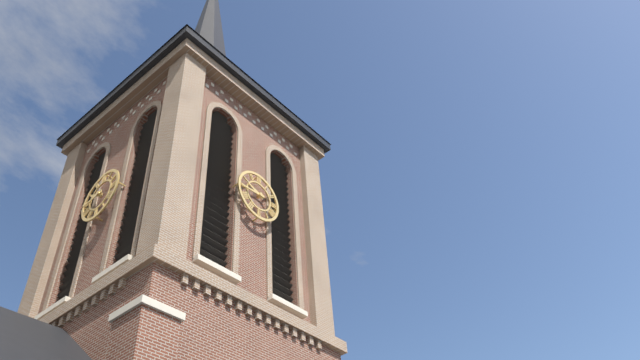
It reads 9:44
